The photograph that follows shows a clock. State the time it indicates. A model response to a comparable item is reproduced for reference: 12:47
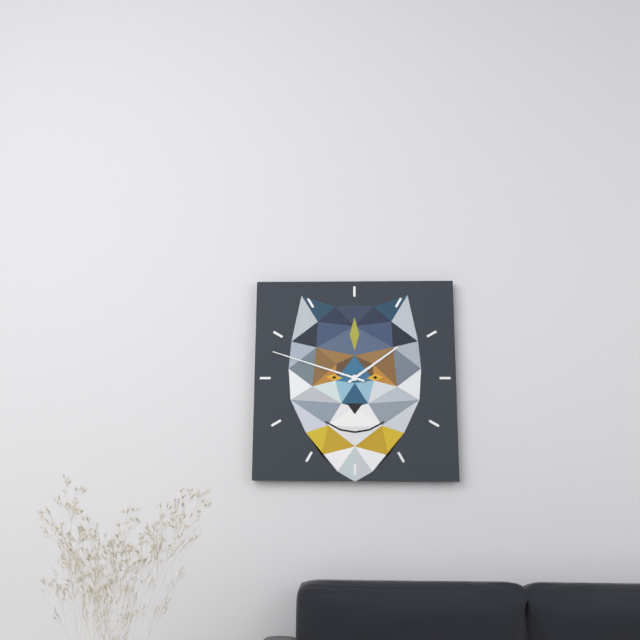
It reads 1:48
